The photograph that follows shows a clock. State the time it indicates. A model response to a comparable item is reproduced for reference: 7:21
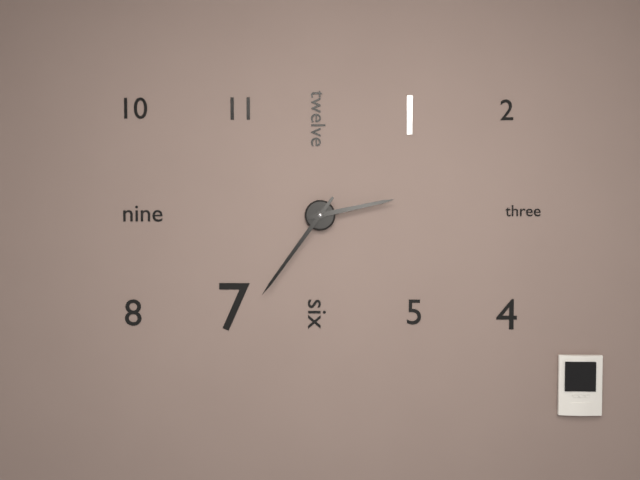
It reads 2:36
